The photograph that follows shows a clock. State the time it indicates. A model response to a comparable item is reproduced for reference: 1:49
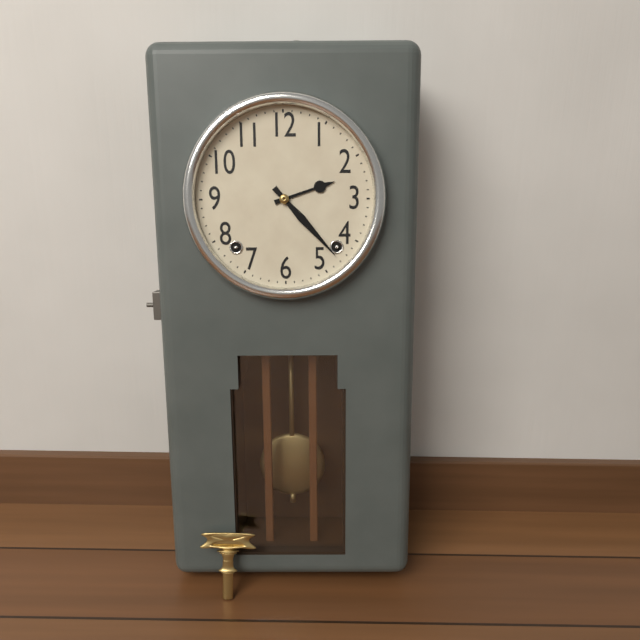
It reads 2:23
